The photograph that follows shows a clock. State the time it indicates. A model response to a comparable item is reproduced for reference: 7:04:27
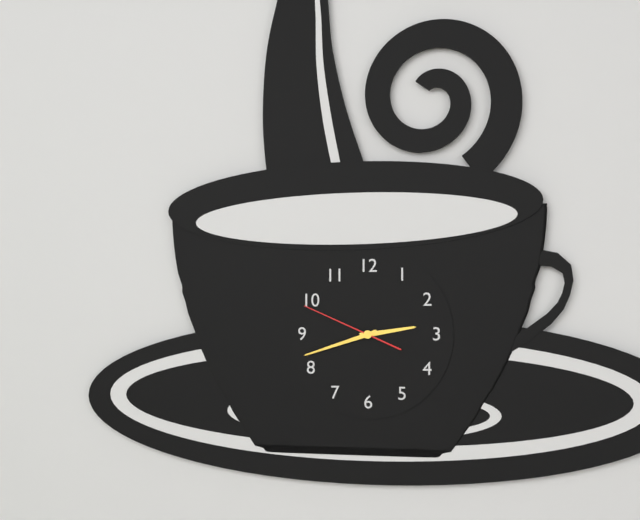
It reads 2:42:49
